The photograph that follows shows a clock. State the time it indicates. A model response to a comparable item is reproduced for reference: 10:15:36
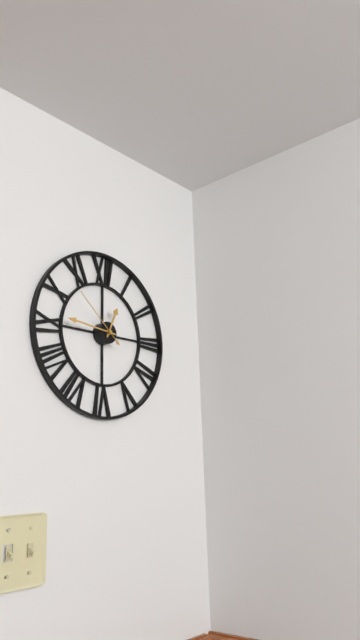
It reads 12:46:52
